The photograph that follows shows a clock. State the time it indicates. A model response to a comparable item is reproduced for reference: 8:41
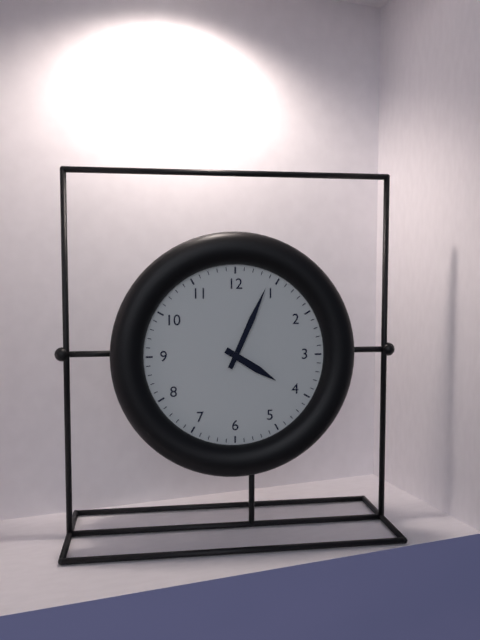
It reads 4:04
